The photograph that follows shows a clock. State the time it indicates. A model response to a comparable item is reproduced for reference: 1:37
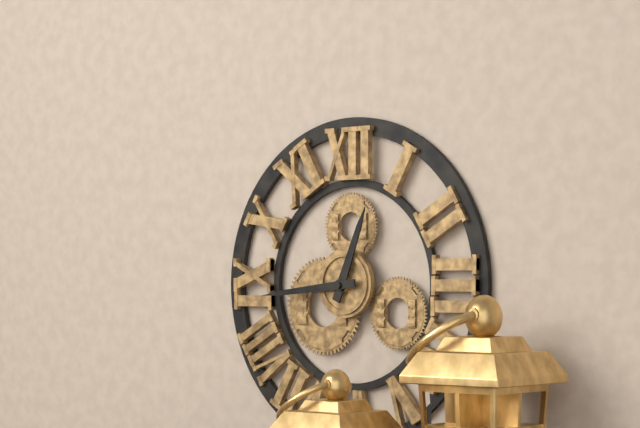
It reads 12:44
